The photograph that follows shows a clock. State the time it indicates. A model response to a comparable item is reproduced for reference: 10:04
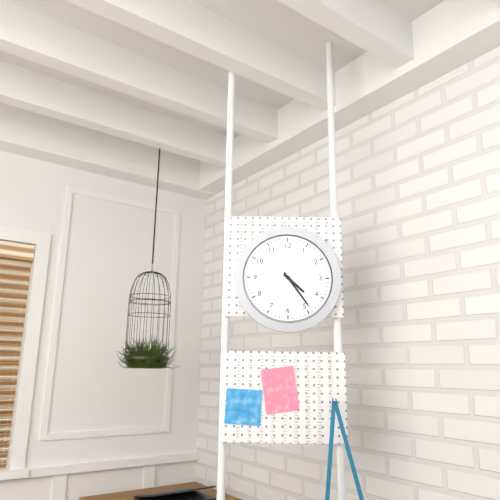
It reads 4:24
